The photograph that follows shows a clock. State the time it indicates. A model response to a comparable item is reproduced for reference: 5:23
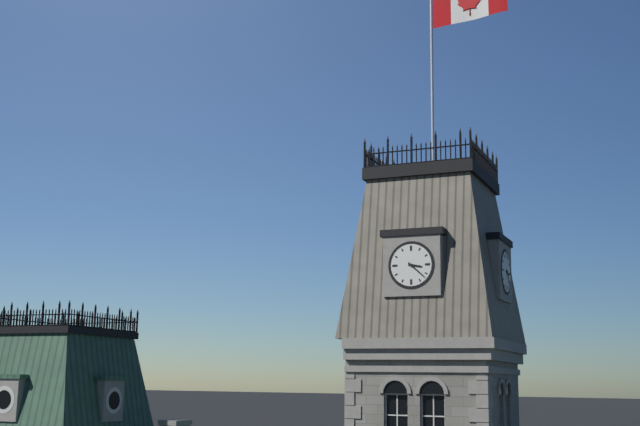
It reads 3:22
